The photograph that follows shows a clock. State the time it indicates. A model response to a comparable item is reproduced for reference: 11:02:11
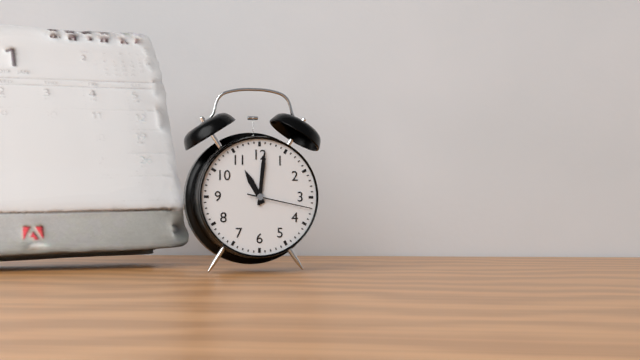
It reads 11:01:17
